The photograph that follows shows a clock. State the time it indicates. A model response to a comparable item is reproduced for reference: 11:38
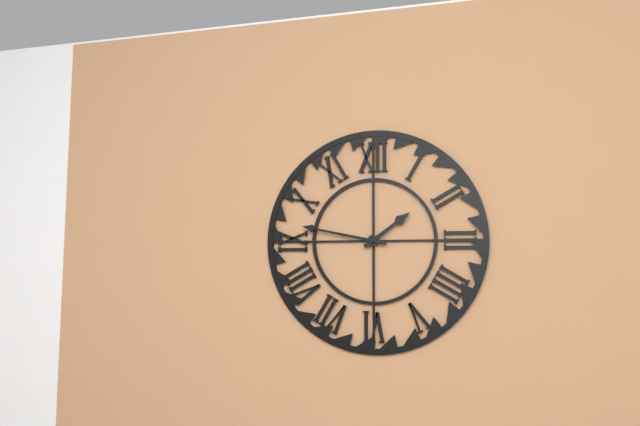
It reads 1:47
